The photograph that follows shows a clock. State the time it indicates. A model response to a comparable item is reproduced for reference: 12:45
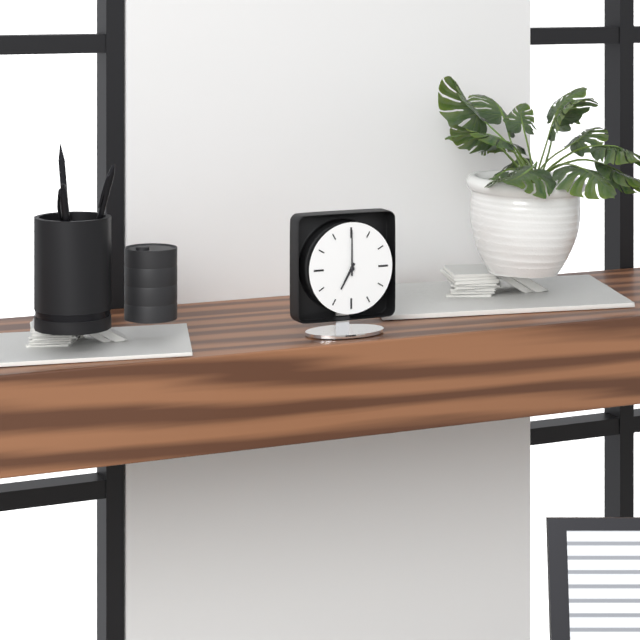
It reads 7:00
